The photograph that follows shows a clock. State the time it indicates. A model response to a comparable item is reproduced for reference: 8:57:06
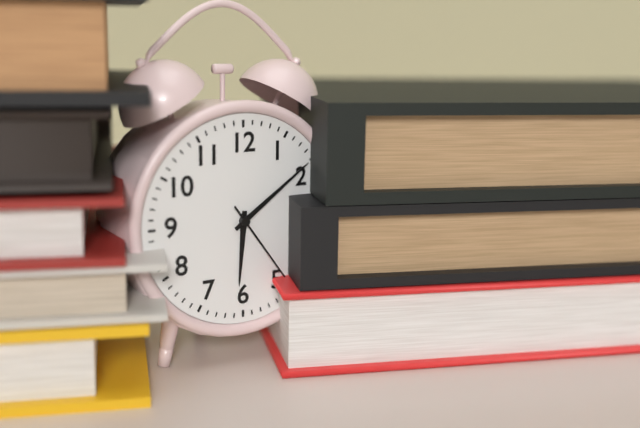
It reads 6:09:24
